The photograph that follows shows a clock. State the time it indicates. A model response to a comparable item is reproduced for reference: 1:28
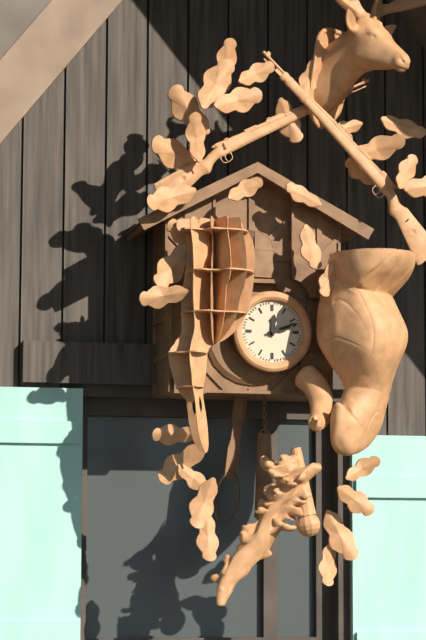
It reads 12:12
